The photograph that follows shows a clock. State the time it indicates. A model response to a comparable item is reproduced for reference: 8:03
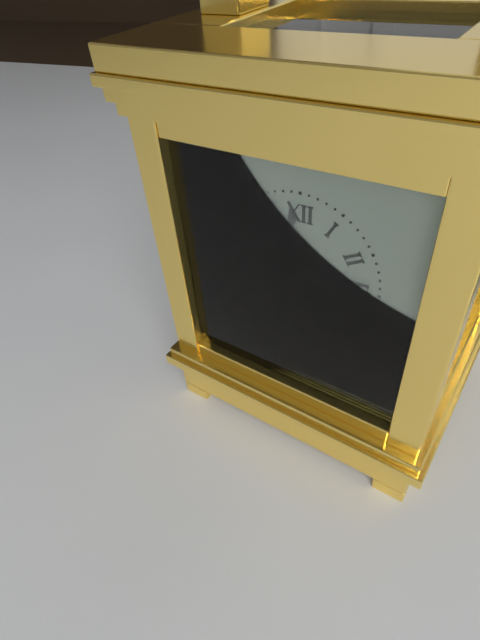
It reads 4:59
